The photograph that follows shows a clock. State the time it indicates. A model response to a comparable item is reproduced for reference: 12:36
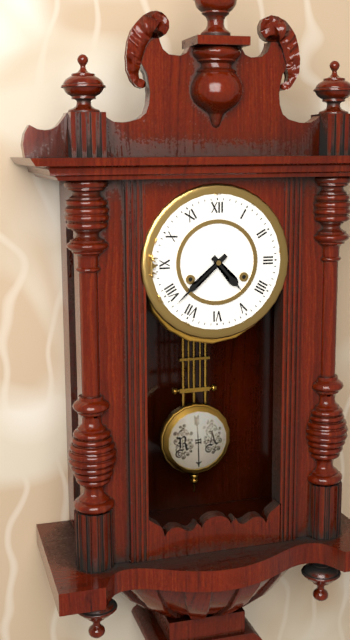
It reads 4:38
